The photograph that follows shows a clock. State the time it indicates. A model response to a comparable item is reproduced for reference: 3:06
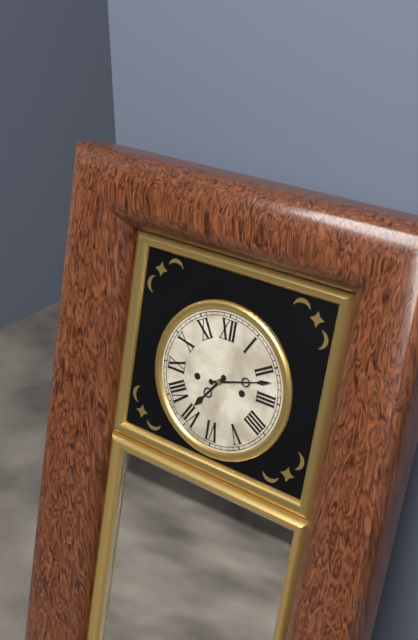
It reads 7:12
